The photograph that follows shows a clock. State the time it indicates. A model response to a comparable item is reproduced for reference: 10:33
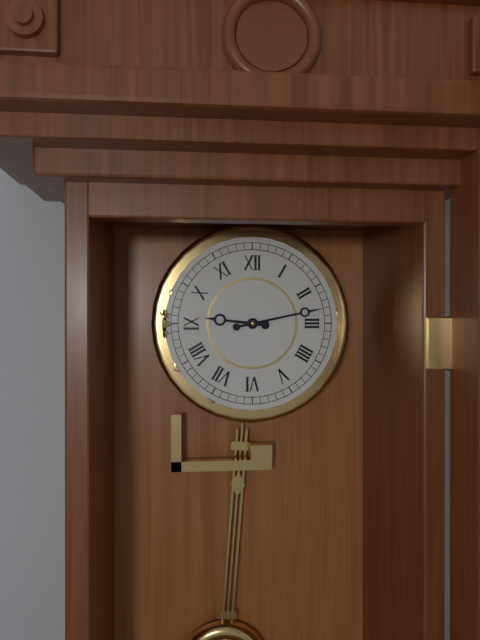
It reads 9:13
